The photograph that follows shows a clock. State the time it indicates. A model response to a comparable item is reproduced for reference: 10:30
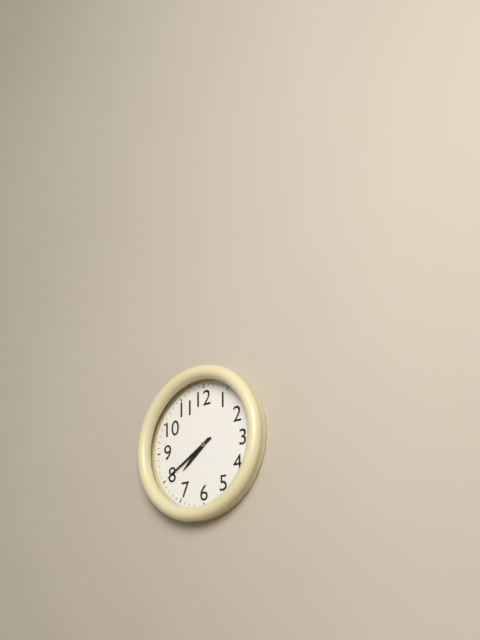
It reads 7:40
